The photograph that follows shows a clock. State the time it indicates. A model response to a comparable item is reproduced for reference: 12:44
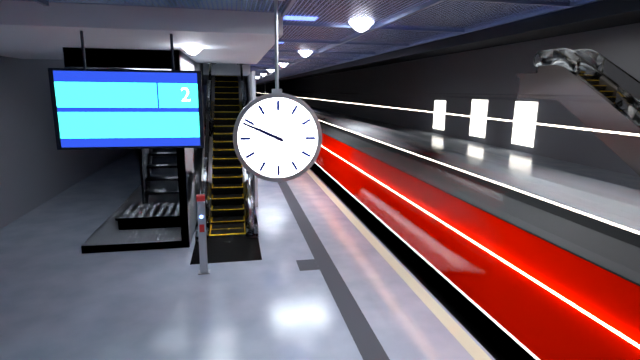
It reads 9:49
